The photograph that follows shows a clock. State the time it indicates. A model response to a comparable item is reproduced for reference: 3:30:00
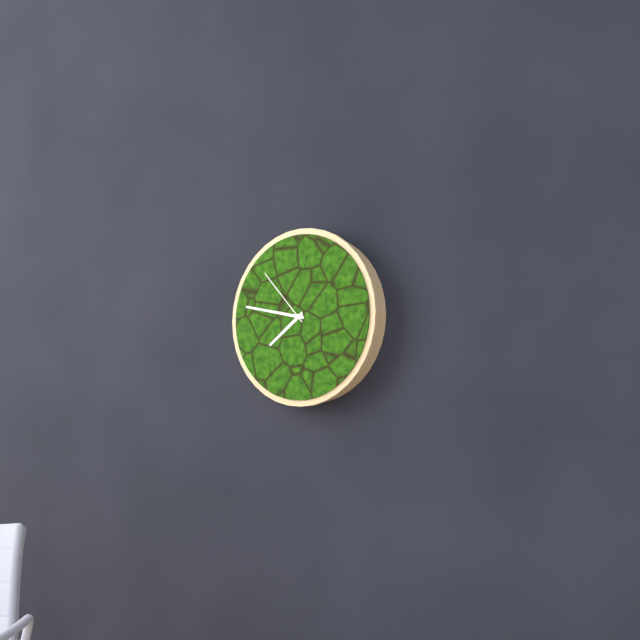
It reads 7:47:53
